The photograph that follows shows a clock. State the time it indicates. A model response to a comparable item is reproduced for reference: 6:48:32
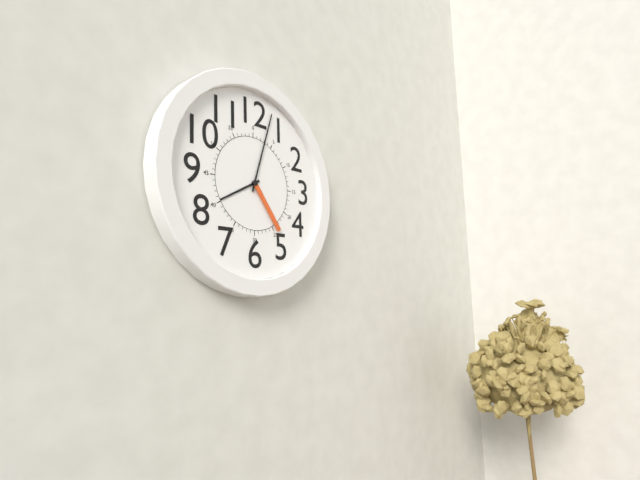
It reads 8:03:24
